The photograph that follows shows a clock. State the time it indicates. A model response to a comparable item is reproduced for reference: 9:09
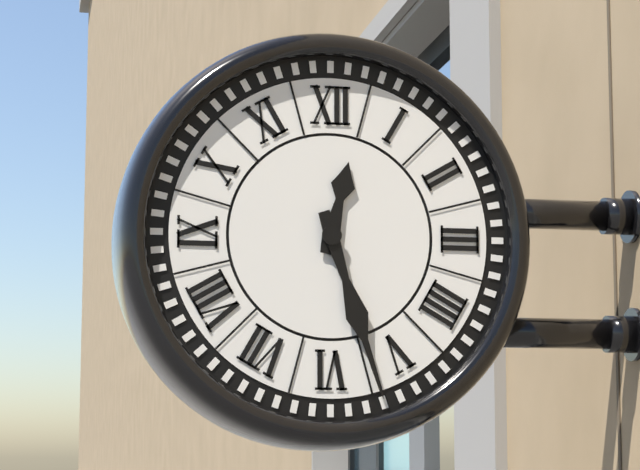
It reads 12:27
